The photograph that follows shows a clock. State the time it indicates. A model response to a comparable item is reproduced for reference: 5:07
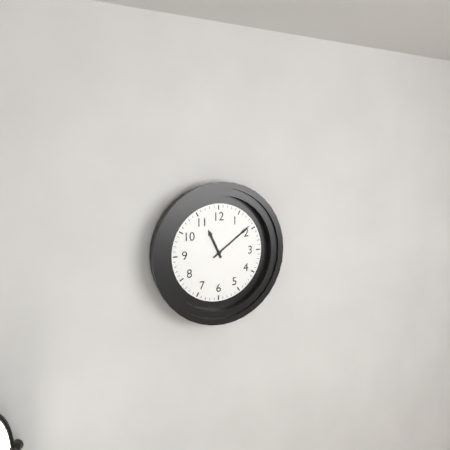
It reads 11:09
